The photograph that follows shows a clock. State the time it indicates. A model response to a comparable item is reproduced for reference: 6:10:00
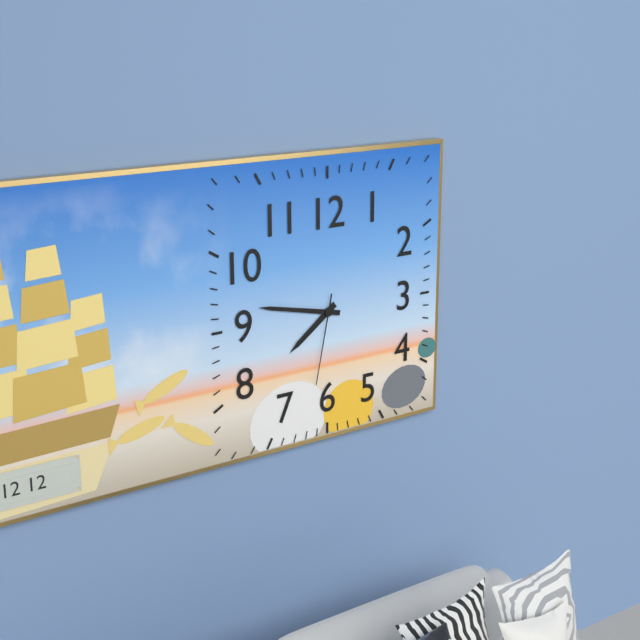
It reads 7:47:32
